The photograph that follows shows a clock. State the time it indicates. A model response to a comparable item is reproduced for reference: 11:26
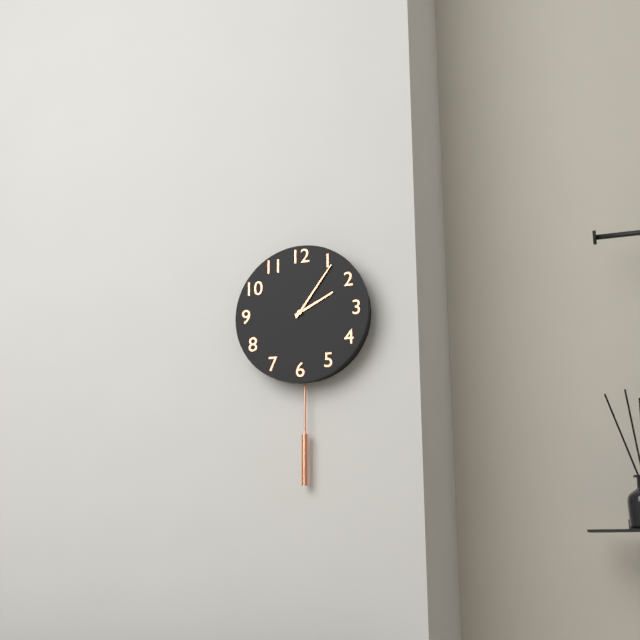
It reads 2:06
